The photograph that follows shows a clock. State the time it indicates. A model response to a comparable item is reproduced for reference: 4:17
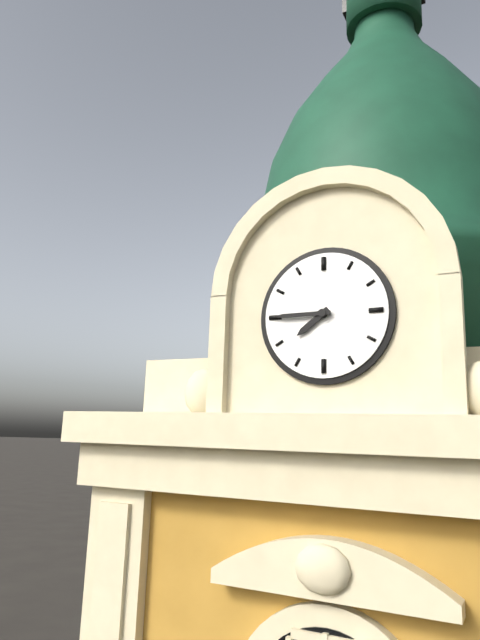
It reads 7:45
